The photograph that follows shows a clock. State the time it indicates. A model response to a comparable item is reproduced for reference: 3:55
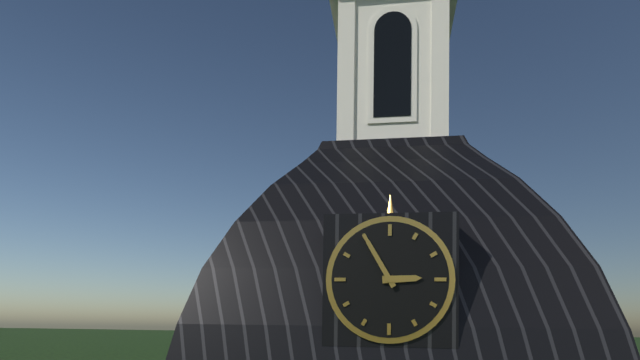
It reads 2:55
